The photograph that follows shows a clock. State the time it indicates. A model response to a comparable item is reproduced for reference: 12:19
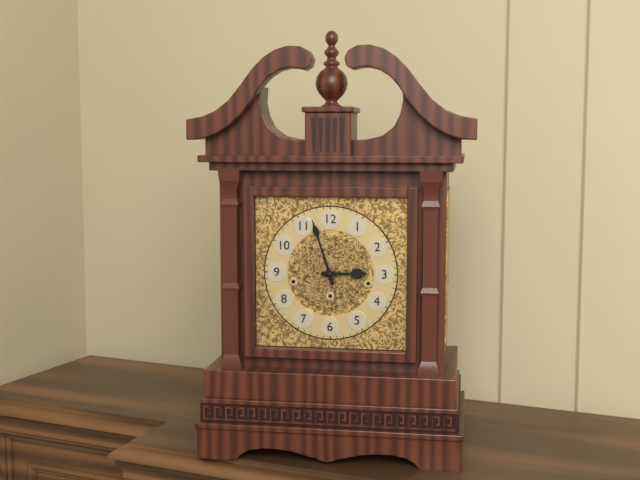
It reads 2:57
